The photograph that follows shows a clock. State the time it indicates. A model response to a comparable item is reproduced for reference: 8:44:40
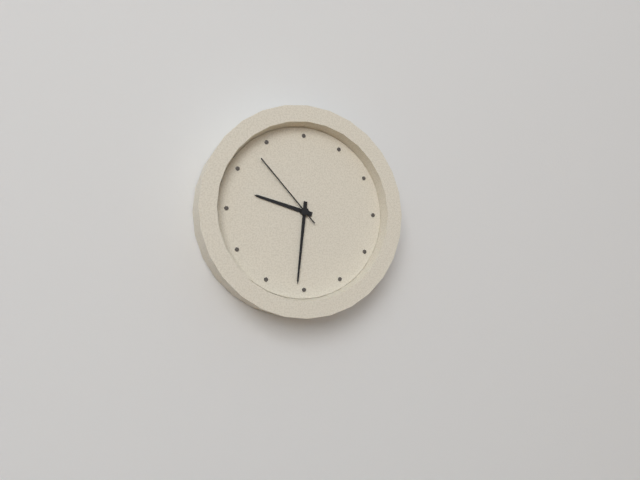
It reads 9:31:53
